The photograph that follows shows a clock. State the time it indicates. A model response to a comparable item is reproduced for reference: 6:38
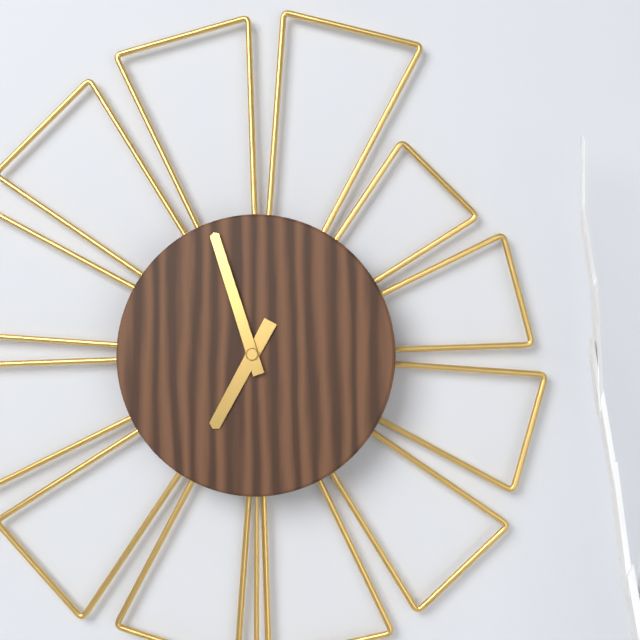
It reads 6:57
